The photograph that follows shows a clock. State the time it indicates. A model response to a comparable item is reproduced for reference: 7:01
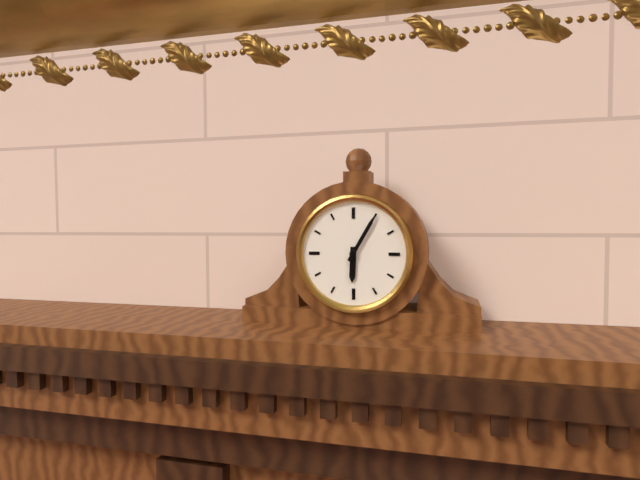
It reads 6:05
